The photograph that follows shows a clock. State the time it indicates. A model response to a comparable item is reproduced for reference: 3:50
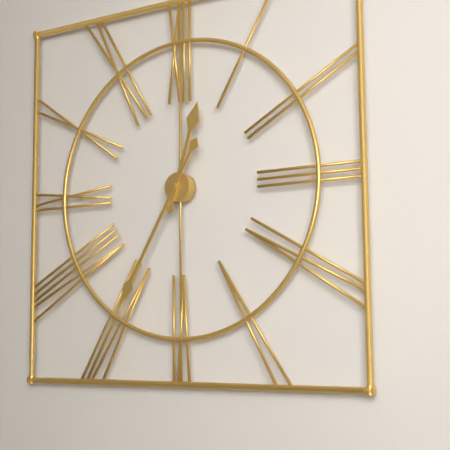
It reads 12:35
